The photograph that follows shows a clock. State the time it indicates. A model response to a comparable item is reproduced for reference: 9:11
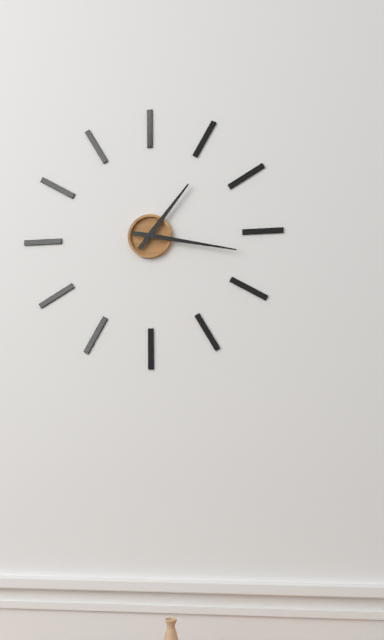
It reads 1:17
